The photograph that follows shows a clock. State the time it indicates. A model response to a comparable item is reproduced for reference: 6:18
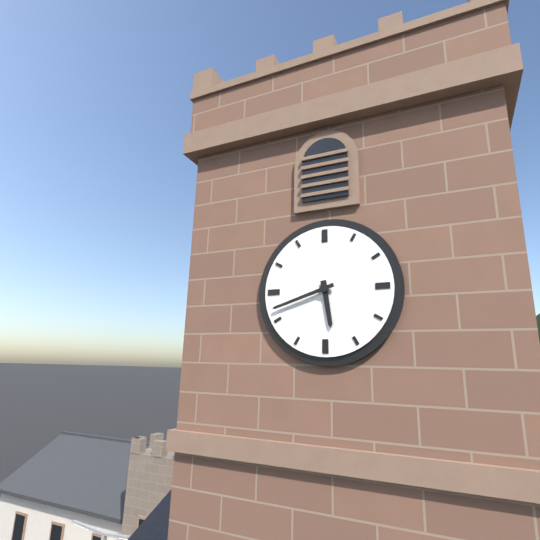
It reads 5:42
